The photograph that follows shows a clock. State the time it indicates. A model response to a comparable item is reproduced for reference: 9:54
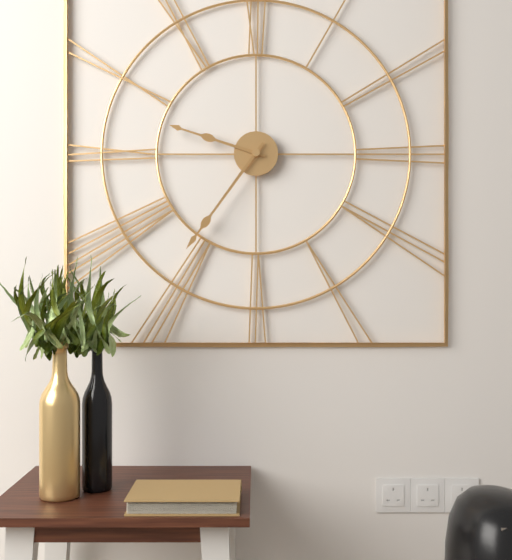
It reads 9:36
